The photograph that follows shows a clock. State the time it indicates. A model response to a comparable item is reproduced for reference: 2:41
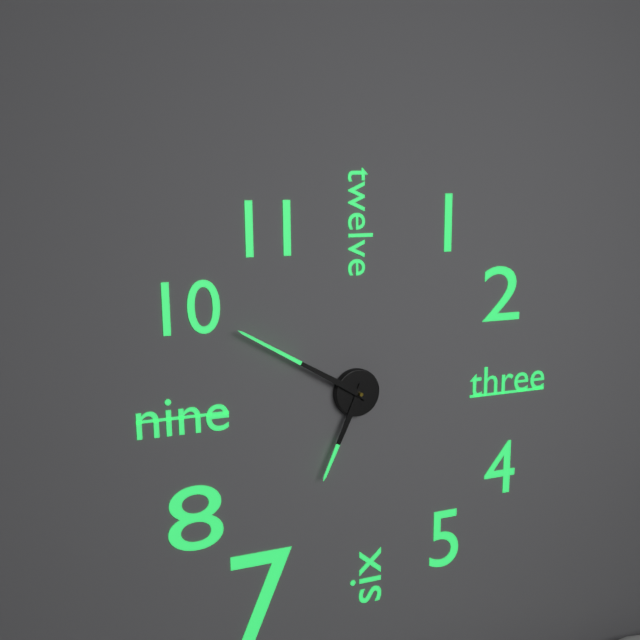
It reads 6:50
